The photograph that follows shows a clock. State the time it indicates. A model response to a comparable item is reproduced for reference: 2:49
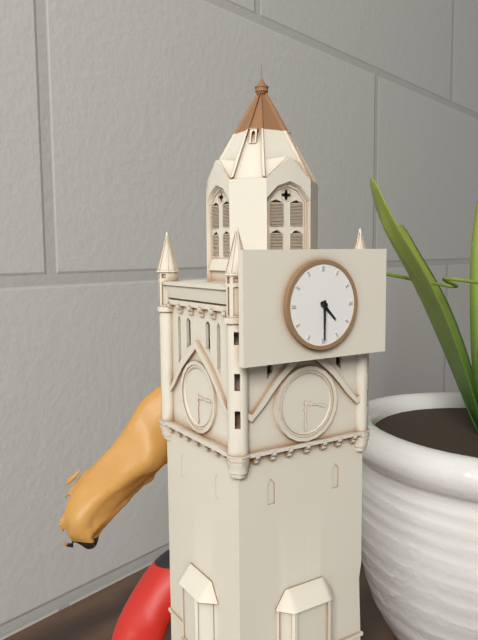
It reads 4:30
